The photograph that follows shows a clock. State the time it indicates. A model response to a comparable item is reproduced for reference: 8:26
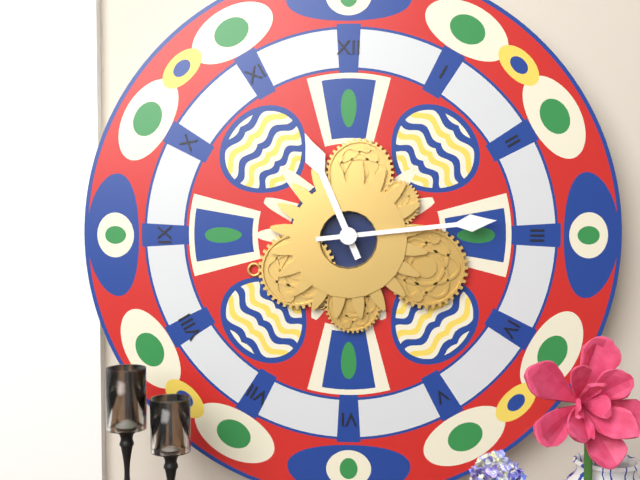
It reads 11:14
